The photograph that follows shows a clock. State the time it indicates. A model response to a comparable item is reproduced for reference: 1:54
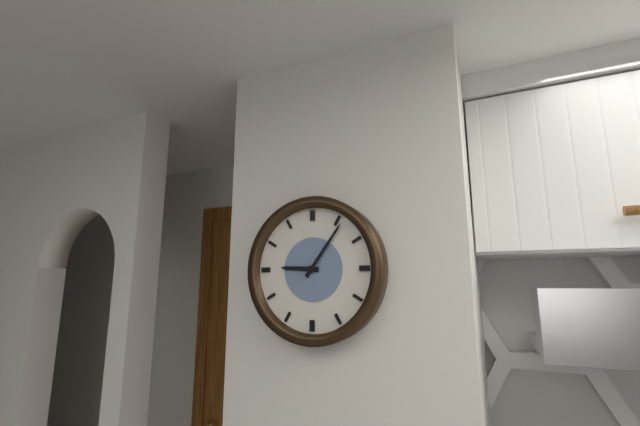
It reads 9:06
